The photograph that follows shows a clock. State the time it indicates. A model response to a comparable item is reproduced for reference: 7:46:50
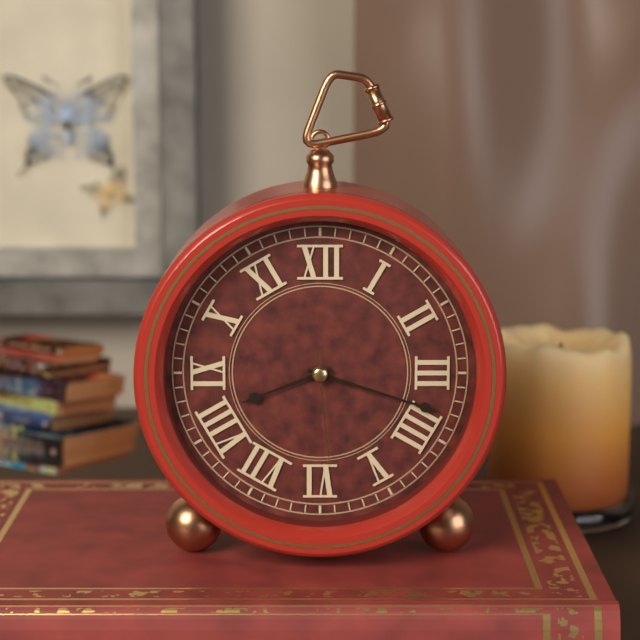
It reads 8:18:29
